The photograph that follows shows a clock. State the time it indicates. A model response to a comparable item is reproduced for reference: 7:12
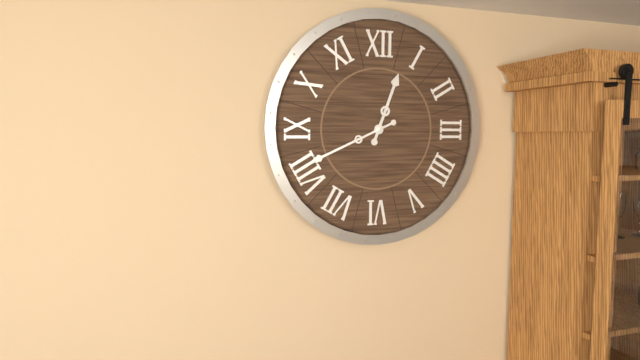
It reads 12:41
